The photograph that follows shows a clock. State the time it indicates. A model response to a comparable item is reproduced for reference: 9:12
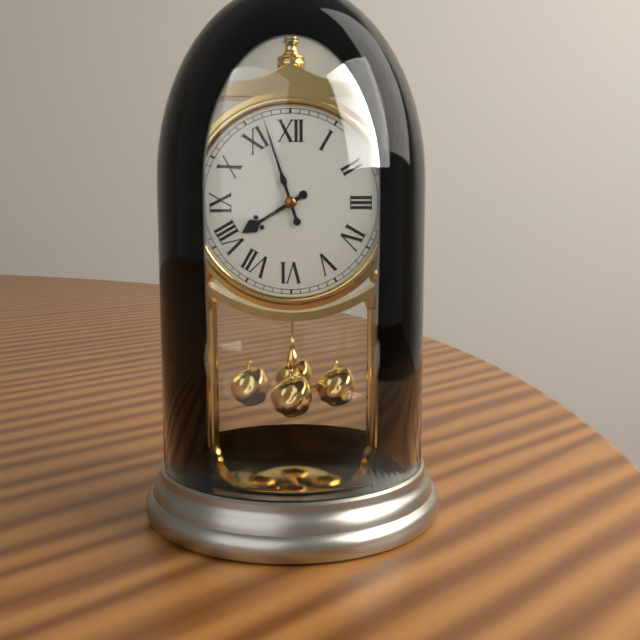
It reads 7:57
